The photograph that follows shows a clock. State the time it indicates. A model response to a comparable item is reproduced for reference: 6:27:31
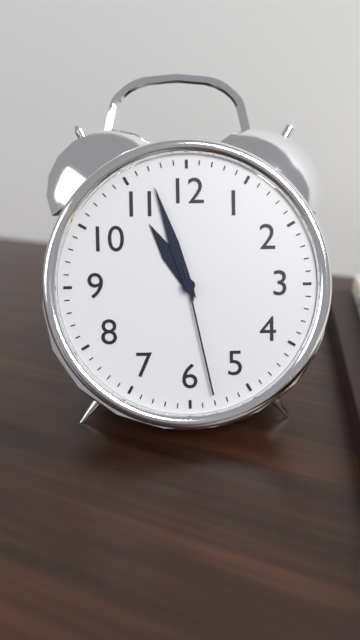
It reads 10:57:28
